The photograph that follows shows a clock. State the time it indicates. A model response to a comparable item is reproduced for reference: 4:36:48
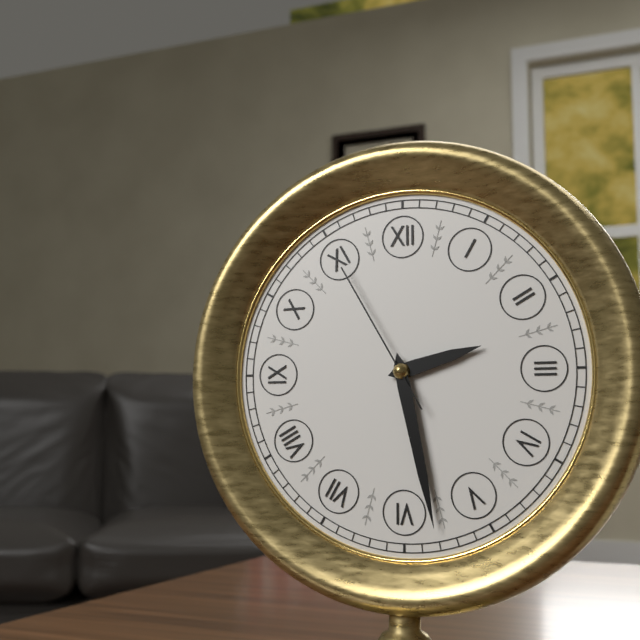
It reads 2:28:55
